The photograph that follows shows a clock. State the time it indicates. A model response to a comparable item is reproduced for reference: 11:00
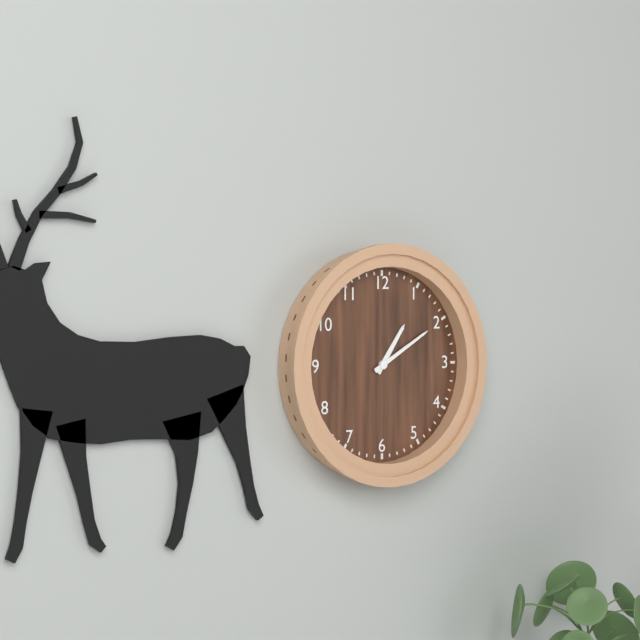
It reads 1:10
